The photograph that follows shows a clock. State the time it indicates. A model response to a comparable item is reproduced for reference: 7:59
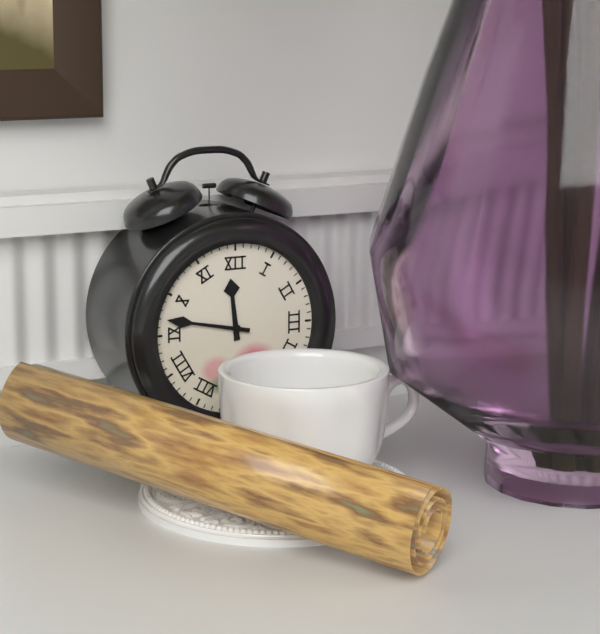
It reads 11:47
